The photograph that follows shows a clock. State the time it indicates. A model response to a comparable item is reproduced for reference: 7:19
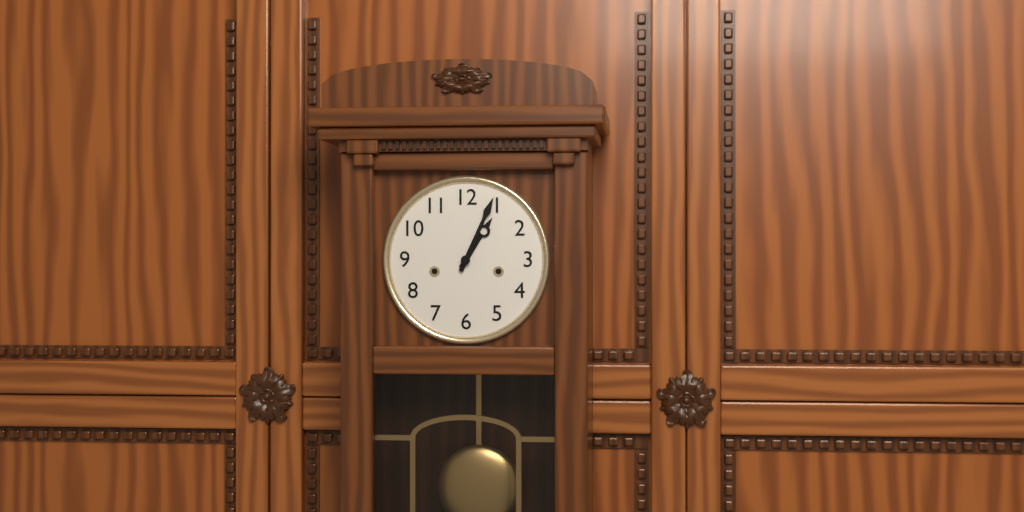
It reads 1:04
